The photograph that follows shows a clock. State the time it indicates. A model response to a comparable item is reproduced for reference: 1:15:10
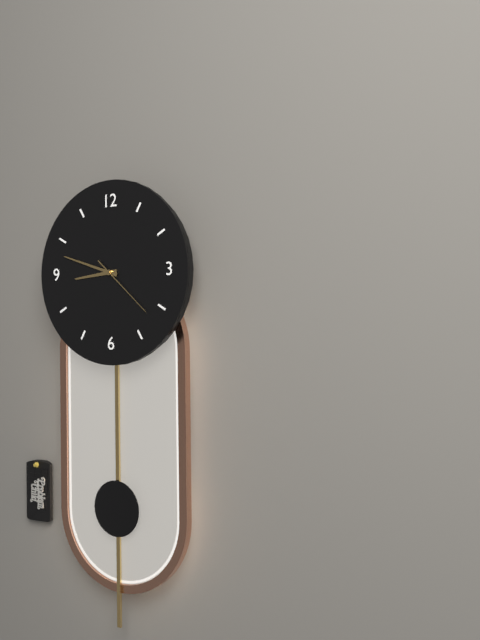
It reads 8:48:22
